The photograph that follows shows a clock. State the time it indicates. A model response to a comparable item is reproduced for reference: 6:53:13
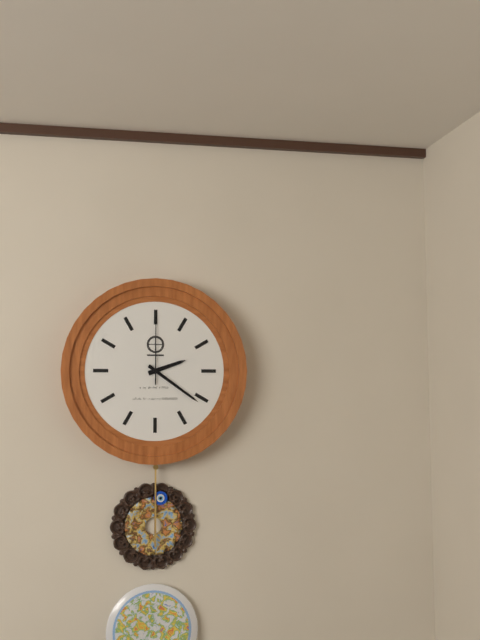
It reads 2:21:00
